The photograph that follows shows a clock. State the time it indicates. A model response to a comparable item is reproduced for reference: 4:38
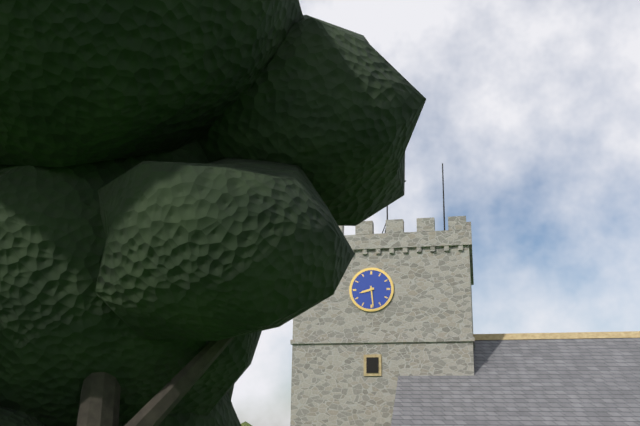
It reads 8:29
